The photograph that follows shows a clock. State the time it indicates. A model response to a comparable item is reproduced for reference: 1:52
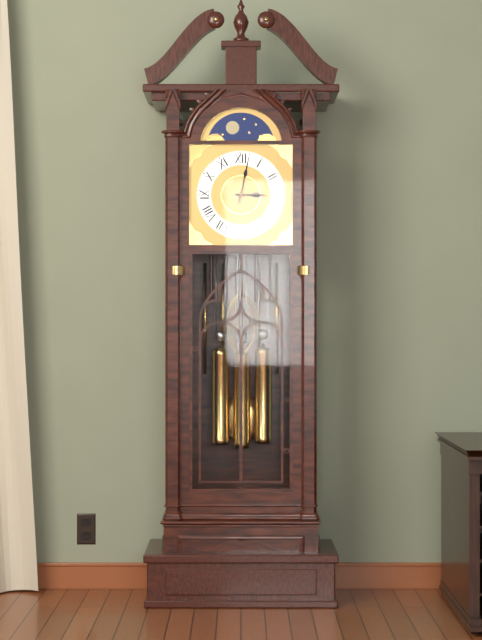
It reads 3:02
